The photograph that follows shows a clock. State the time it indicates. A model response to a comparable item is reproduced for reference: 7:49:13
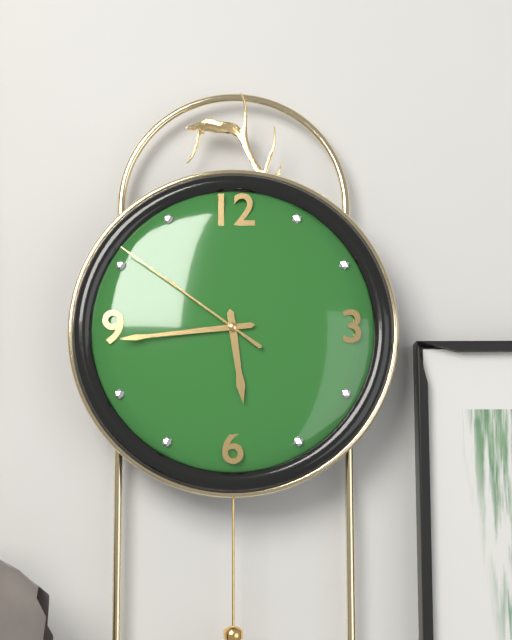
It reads 5:44:51
